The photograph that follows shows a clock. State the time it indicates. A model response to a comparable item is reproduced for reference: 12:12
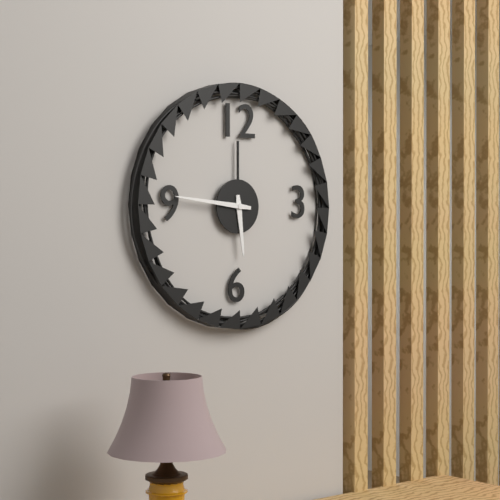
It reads 5:46
